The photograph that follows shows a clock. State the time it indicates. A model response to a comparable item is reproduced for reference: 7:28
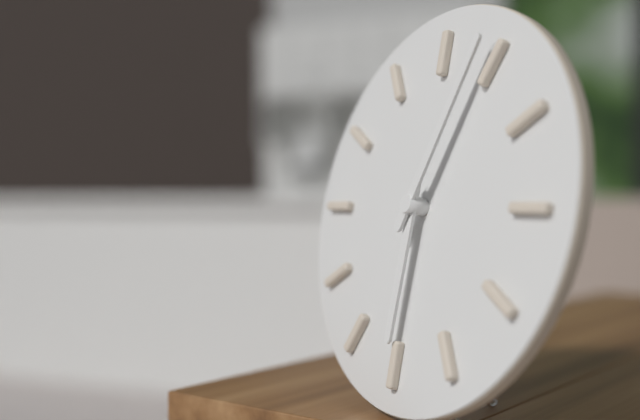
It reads 6:04
